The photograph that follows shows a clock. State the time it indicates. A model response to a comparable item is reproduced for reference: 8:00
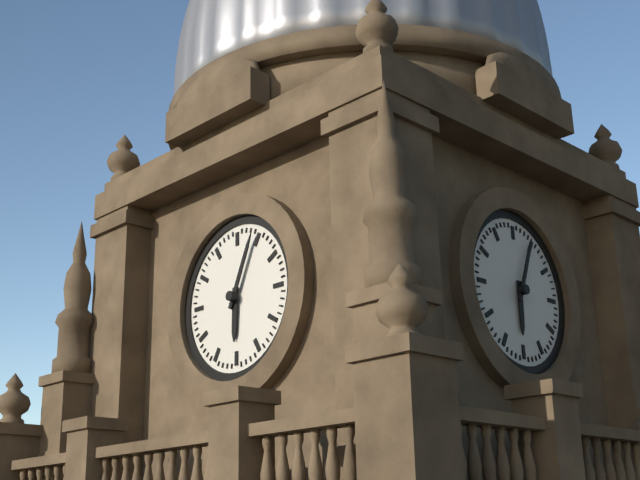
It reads 6:04
